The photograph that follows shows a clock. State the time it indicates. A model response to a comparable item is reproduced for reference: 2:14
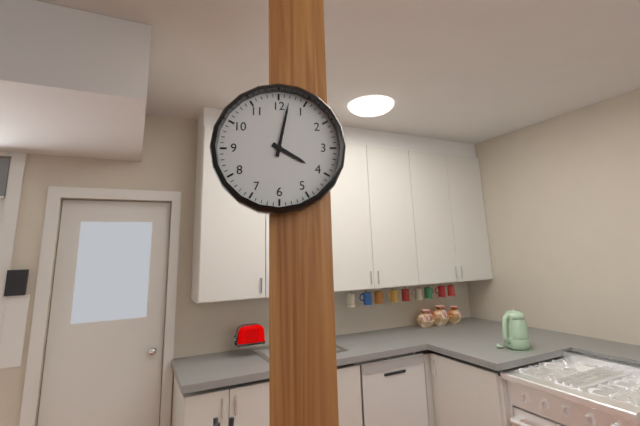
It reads 4:02
